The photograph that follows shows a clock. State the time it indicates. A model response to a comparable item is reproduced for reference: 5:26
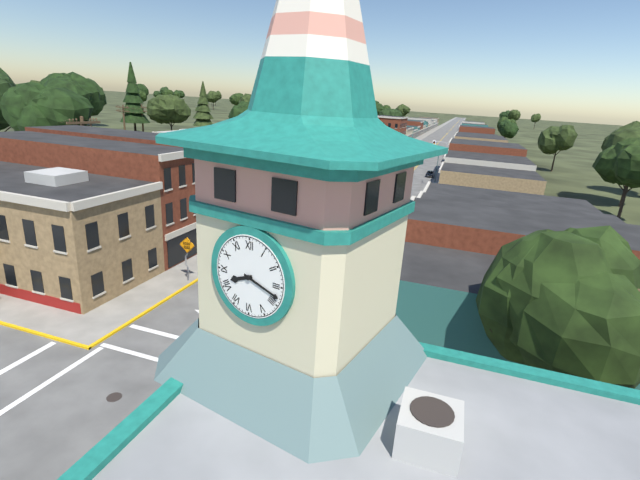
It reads 8:18
